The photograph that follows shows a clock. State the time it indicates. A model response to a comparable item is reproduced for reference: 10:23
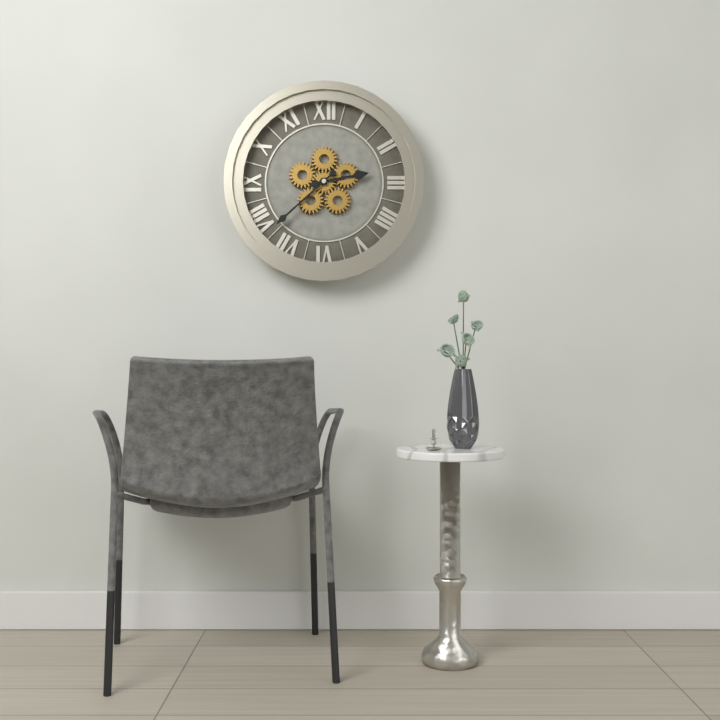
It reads 2:38
